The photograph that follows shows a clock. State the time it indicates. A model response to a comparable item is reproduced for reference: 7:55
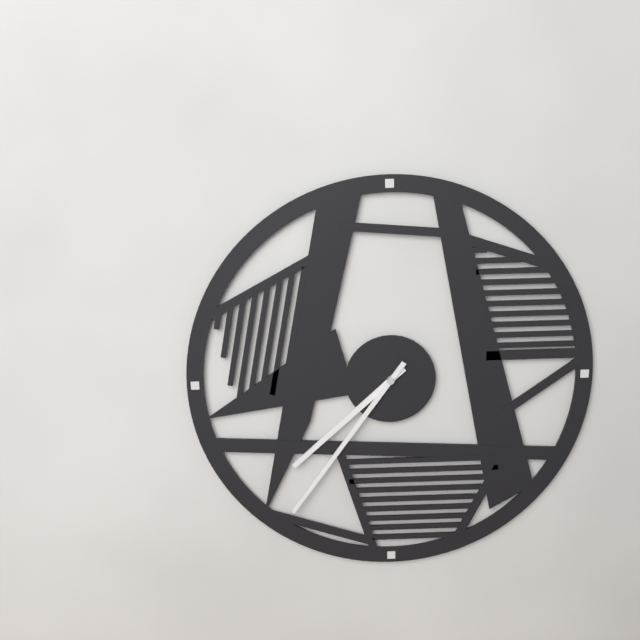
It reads 7:36
